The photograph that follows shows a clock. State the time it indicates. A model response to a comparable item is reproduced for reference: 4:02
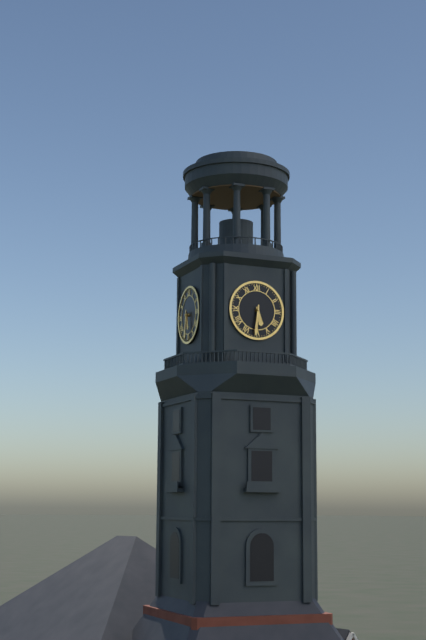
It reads 5:31
